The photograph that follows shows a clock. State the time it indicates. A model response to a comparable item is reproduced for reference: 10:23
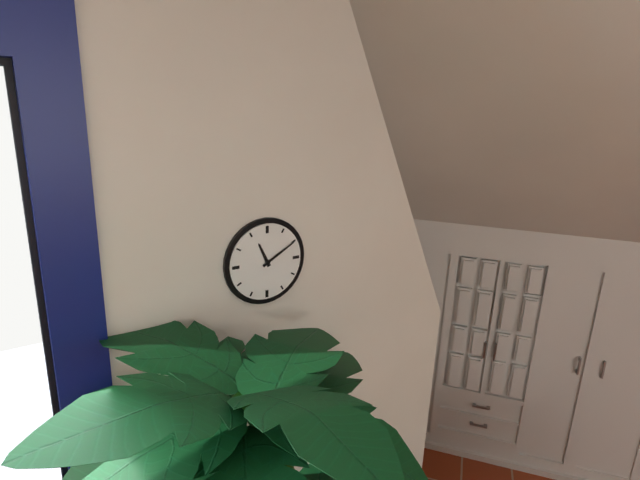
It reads 11:10
